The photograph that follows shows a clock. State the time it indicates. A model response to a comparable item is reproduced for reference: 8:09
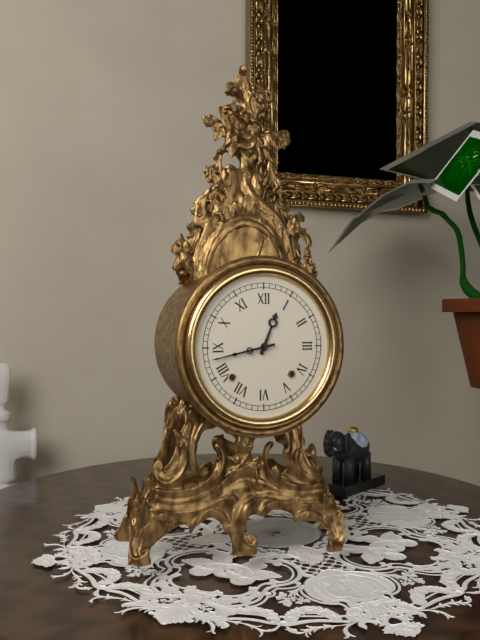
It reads 12:43
